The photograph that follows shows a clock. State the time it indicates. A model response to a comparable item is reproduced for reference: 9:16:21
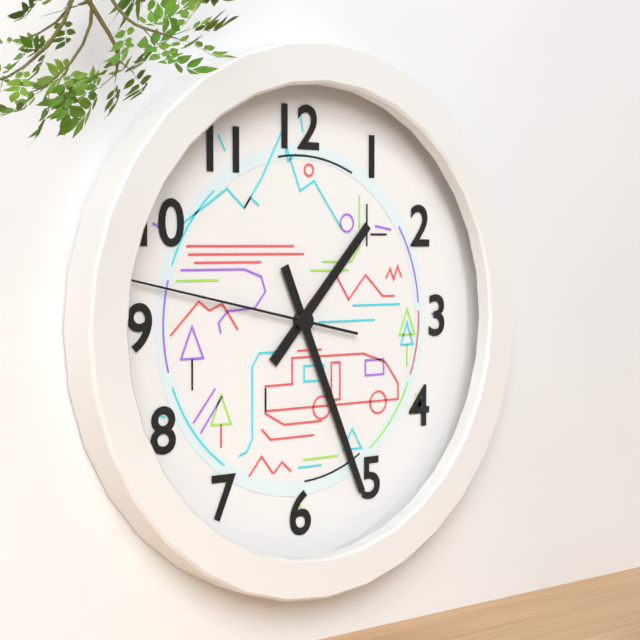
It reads 1:26:47
